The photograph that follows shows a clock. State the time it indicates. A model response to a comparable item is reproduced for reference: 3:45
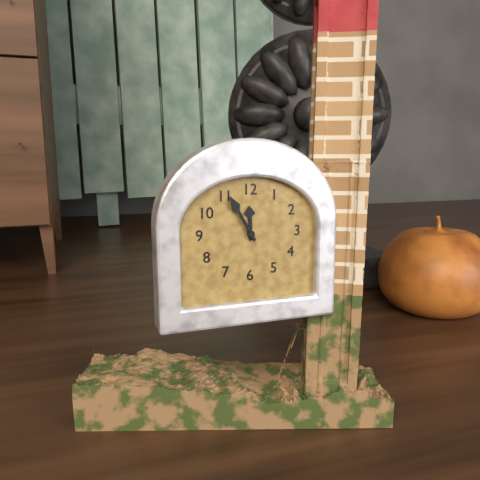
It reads 11:55
